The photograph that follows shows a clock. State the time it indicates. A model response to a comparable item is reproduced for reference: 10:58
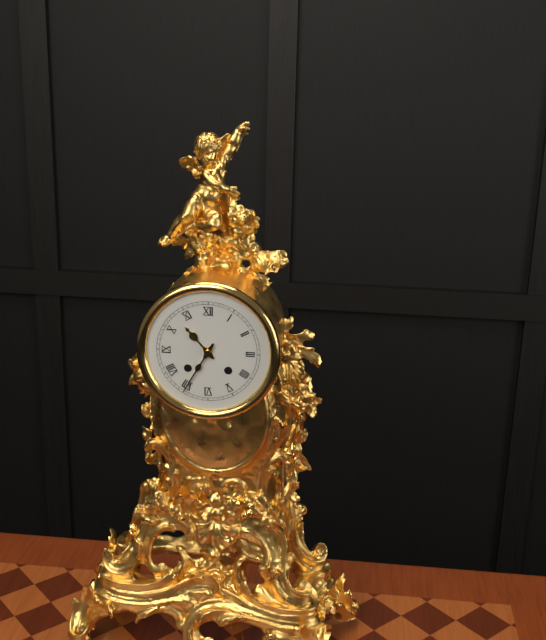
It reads 10:35
